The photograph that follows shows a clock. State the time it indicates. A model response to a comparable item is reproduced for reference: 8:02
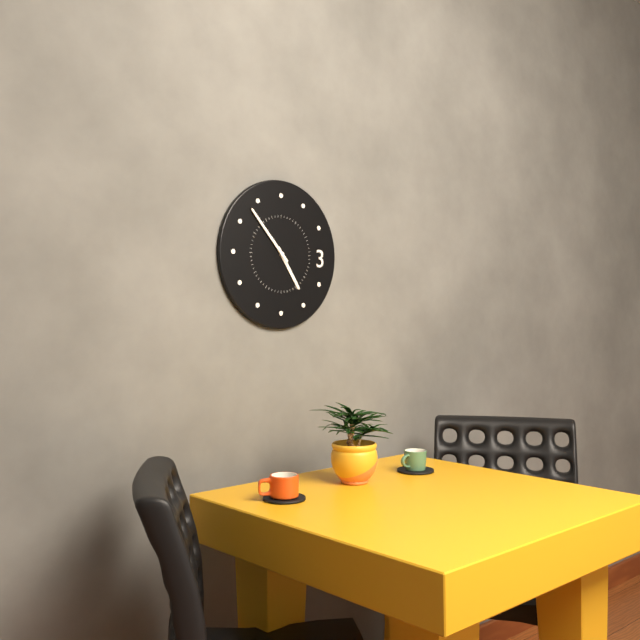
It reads 4:53
